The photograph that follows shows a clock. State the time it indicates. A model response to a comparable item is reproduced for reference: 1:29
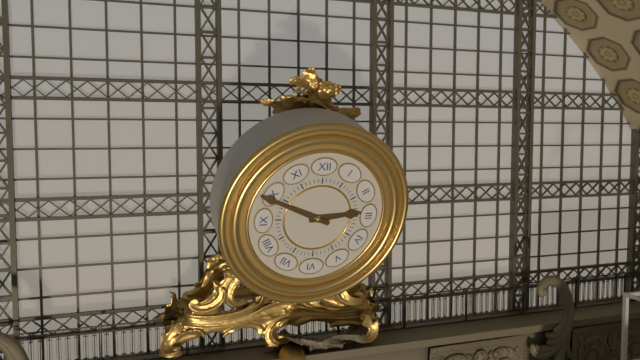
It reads 2:49
